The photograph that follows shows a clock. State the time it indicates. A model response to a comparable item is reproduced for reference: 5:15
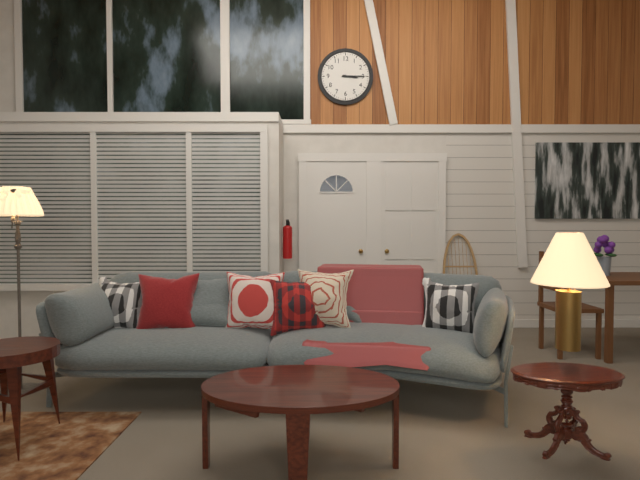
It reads 3:15
